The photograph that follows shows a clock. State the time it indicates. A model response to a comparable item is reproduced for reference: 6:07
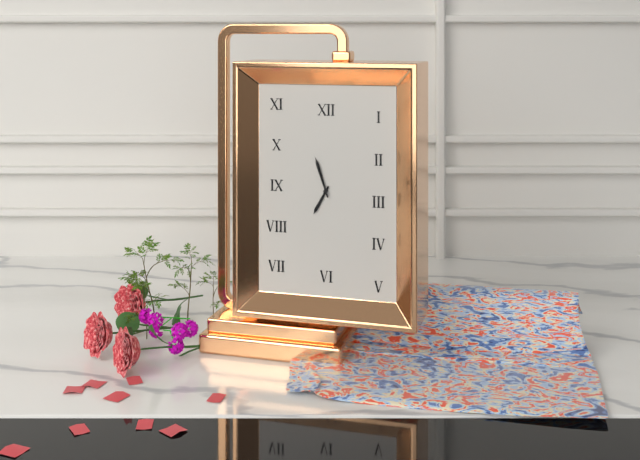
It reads 6:57
